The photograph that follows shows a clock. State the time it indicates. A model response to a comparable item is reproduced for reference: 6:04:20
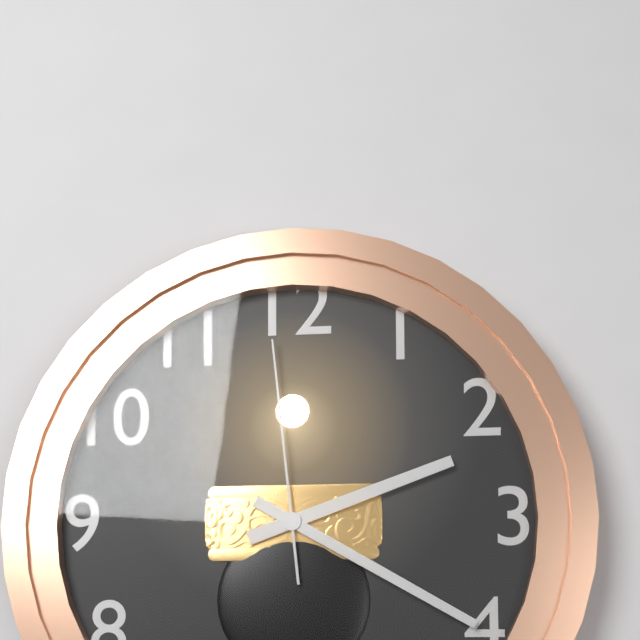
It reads 2:20:59
